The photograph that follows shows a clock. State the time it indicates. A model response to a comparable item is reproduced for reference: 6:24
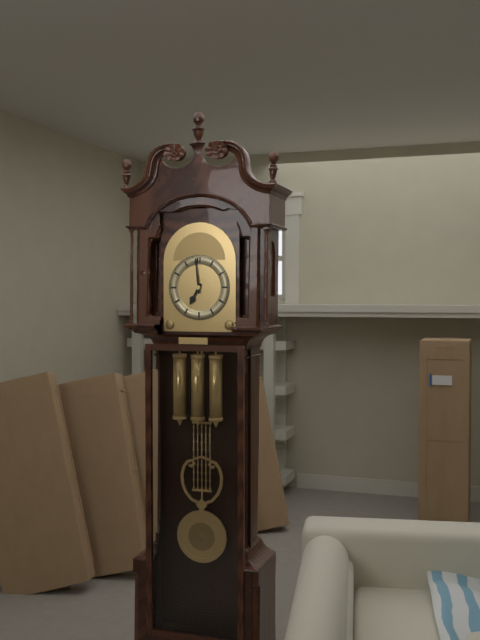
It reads 6:59
